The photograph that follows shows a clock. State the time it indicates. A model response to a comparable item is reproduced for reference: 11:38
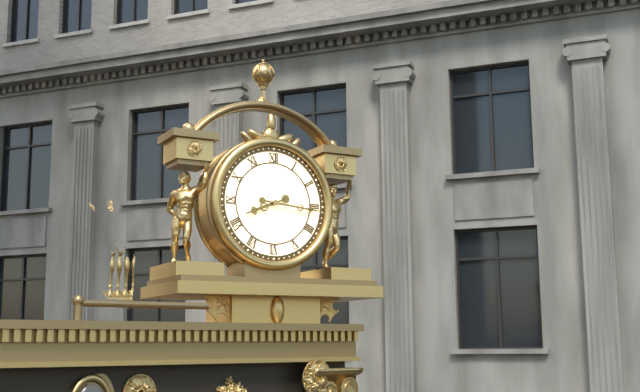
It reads 8:16
